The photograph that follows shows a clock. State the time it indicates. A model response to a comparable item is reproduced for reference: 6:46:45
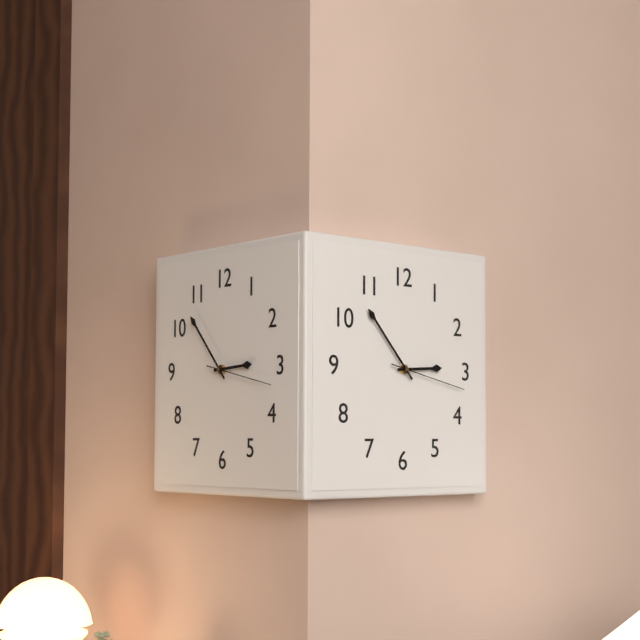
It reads 2:53:17
